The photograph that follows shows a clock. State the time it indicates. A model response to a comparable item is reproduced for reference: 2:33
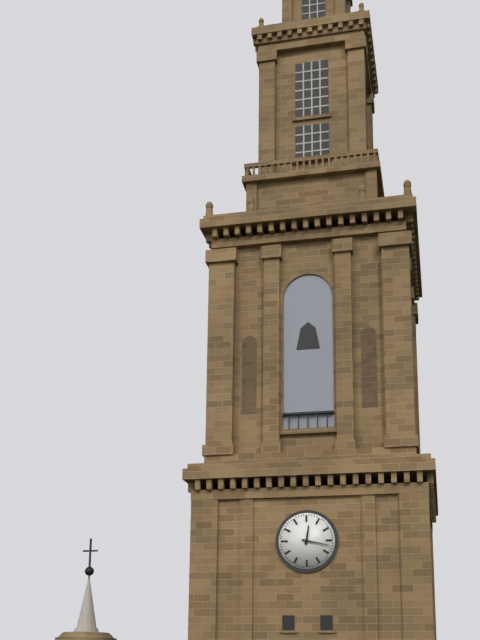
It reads 12:17
